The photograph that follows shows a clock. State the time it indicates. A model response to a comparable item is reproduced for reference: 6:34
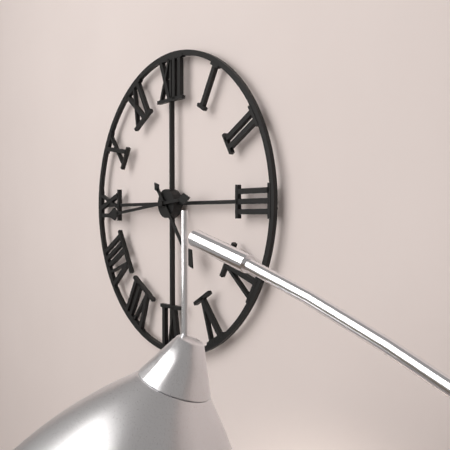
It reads 4:44
